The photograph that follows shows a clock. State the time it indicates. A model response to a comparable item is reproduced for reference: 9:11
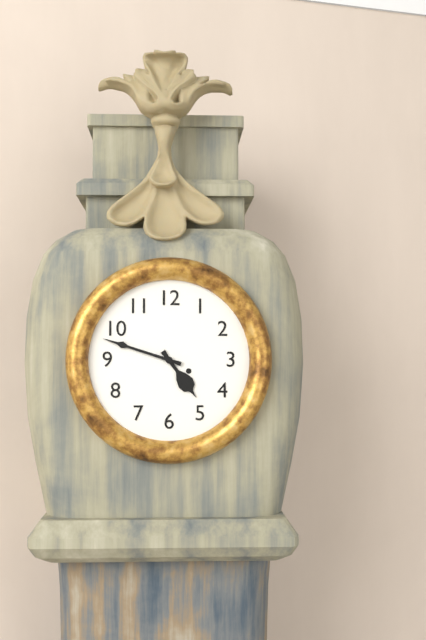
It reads 4:48
